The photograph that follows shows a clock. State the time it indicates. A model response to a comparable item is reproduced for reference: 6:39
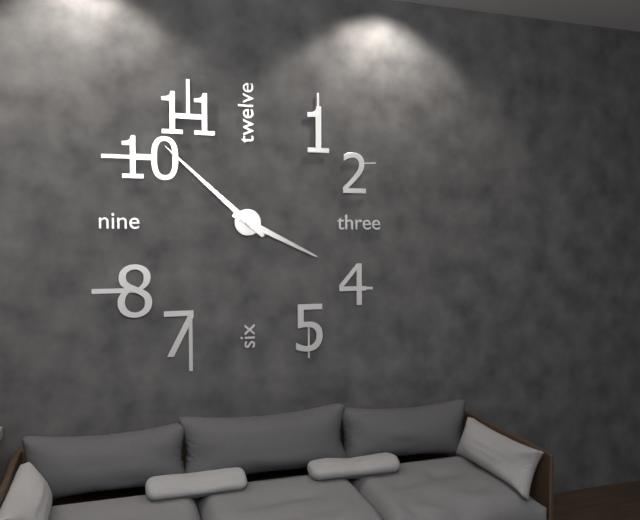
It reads 3:52
